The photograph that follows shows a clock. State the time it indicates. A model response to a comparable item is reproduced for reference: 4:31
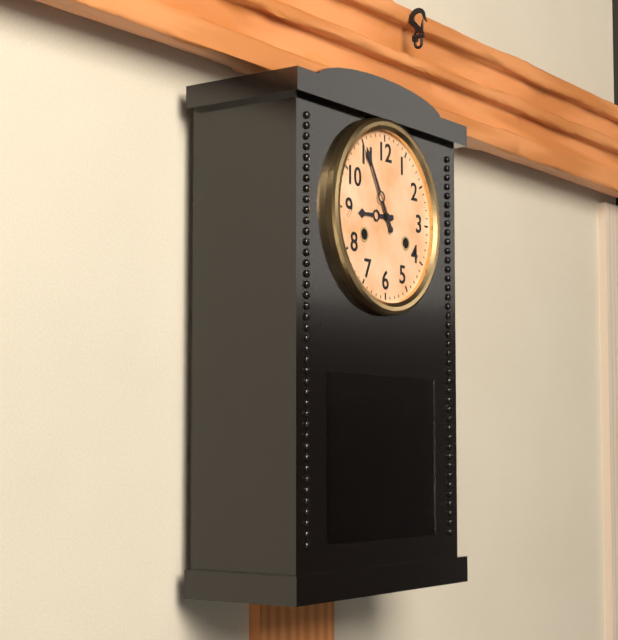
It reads 8:55
